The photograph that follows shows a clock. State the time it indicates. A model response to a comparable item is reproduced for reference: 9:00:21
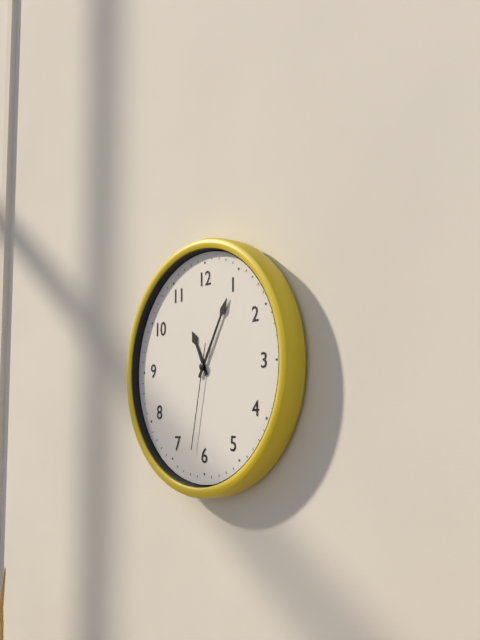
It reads 11:05:32
